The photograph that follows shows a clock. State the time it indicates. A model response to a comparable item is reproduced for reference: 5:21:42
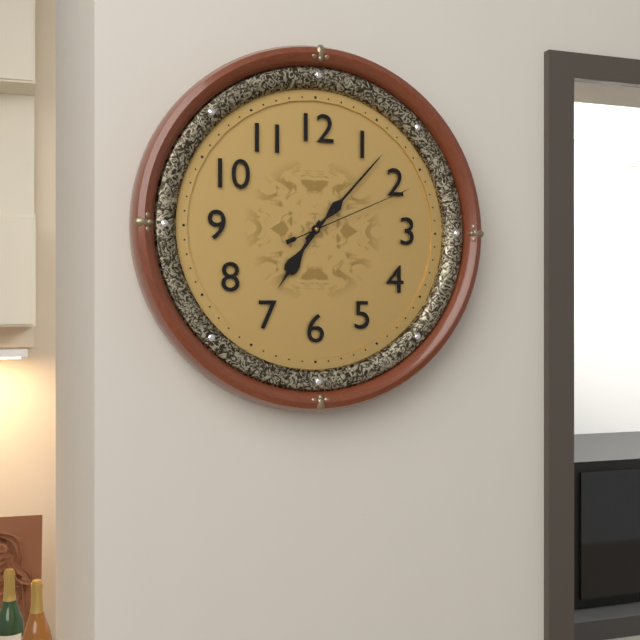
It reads 7:07:11
